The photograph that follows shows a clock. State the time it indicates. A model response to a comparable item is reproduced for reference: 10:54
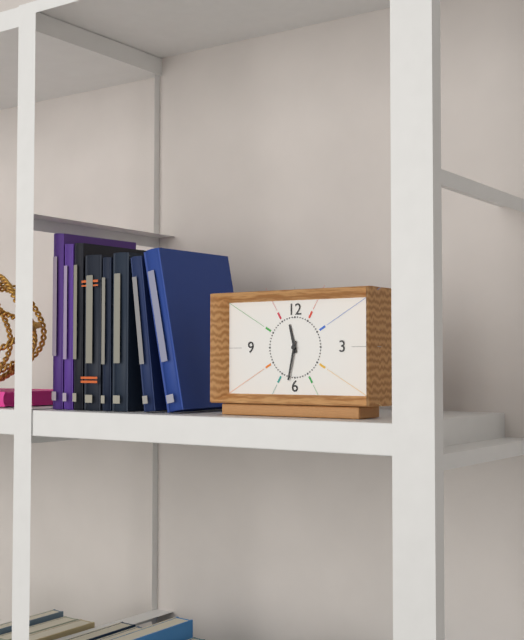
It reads 11:32
